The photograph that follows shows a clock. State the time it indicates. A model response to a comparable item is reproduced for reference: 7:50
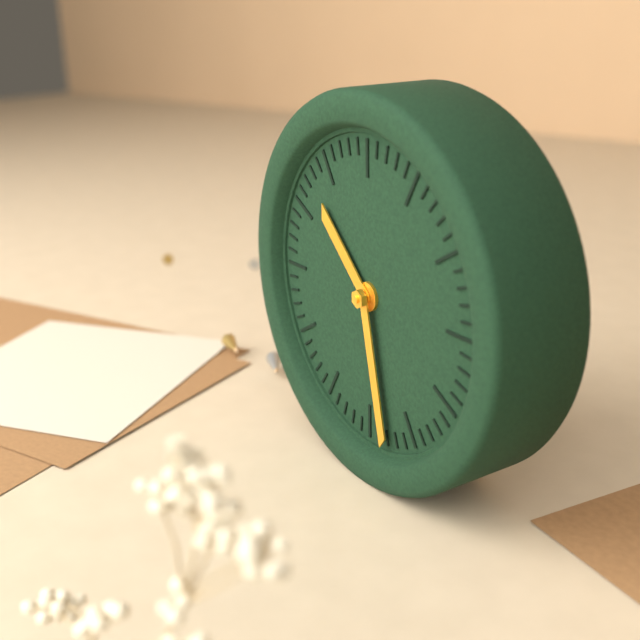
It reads 10:28
